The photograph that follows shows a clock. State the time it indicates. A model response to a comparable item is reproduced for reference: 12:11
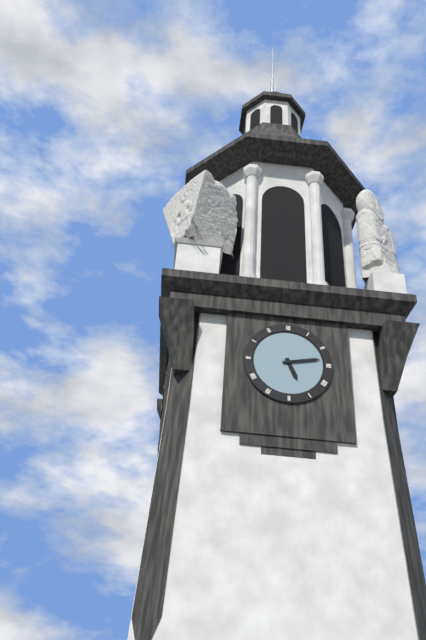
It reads 5:13
